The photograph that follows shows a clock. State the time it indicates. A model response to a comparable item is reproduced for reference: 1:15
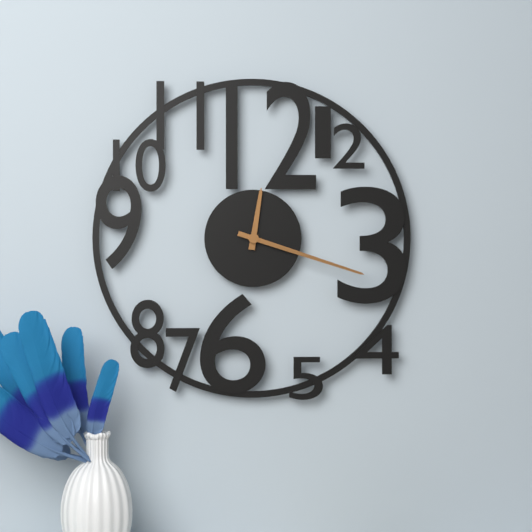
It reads 12:18
